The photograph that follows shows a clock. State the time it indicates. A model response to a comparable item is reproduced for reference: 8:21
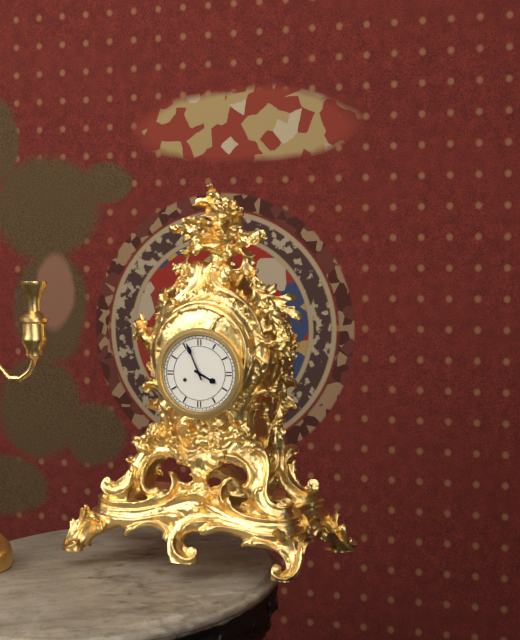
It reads 3:56
